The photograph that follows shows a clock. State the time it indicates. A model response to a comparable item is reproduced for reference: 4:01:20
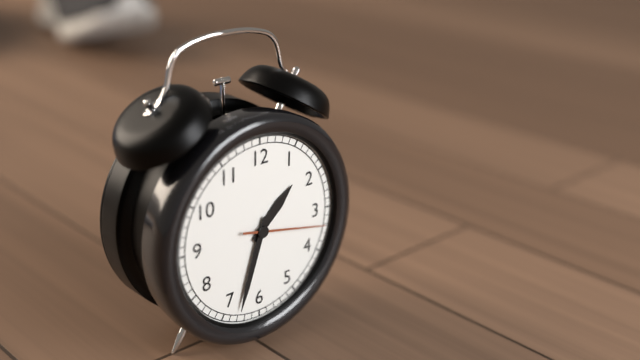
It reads 1:33:17
